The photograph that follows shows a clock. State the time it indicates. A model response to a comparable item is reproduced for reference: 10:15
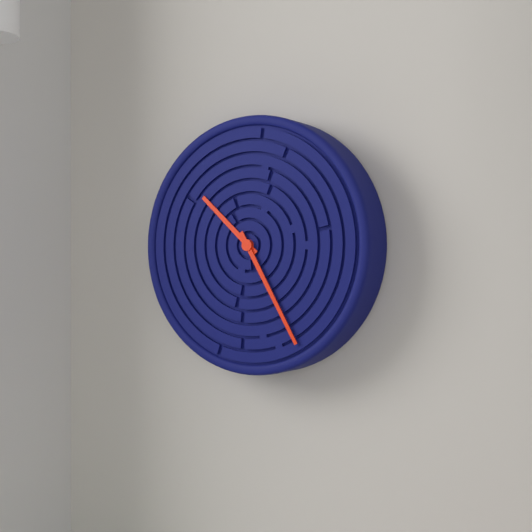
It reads 10:25
